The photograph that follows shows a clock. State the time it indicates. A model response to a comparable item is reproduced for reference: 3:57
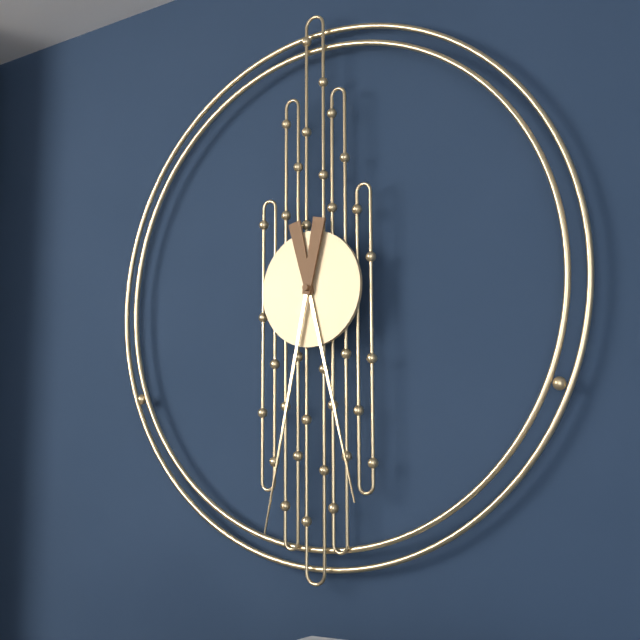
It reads 5:32
